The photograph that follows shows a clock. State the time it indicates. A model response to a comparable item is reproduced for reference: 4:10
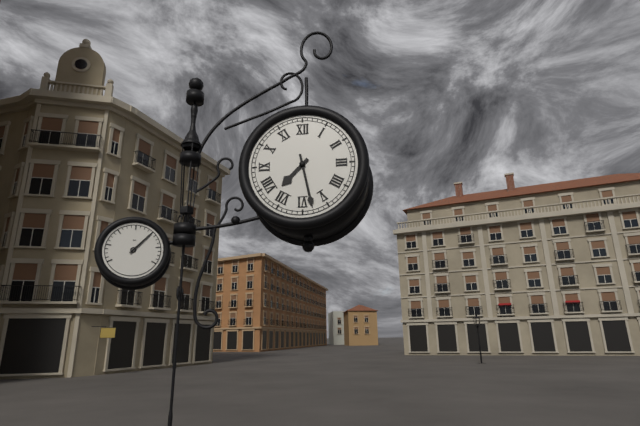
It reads 7:28
